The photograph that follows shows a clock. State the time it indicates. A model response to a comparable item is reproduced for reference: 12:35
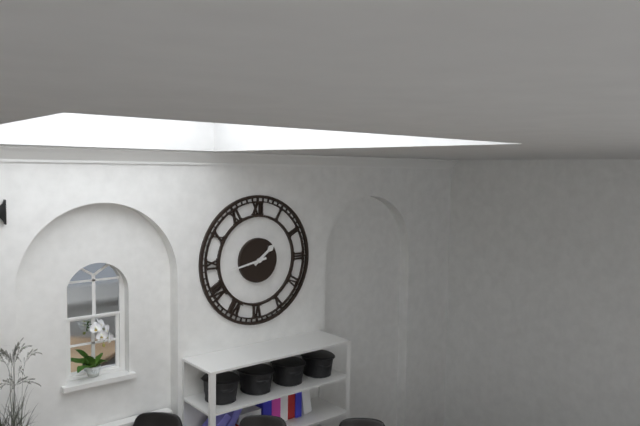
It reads 1:43
